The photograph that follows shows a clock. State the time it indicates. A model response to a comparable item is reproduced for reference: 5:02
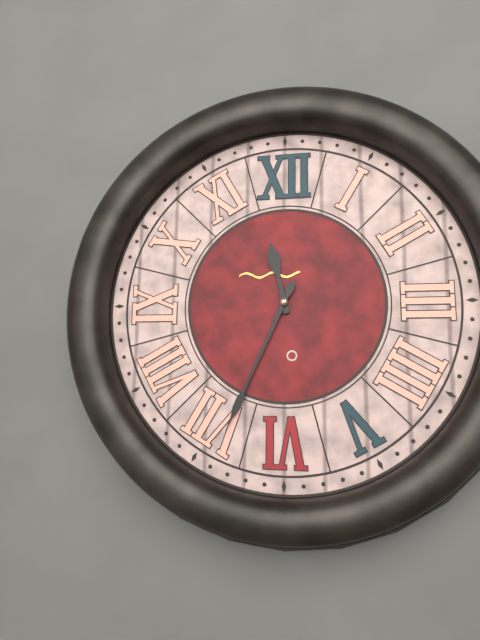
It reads 11:34
